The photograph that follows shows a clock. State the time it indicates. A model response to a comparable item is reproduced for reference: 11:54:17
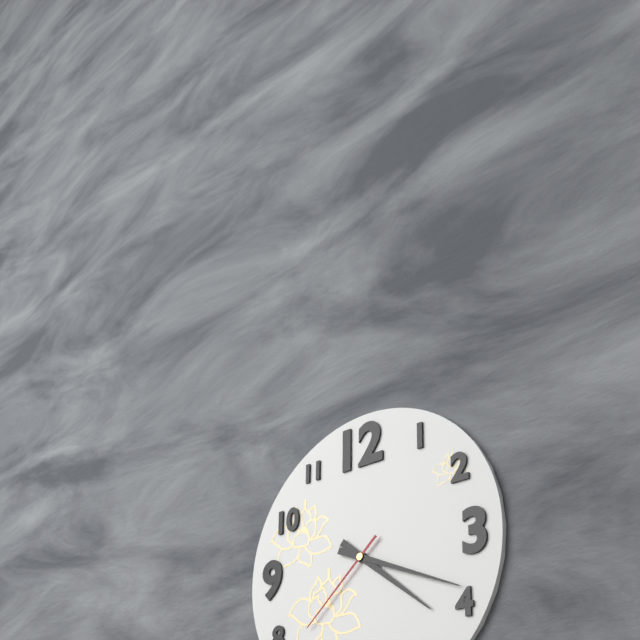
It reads 4:19:38
